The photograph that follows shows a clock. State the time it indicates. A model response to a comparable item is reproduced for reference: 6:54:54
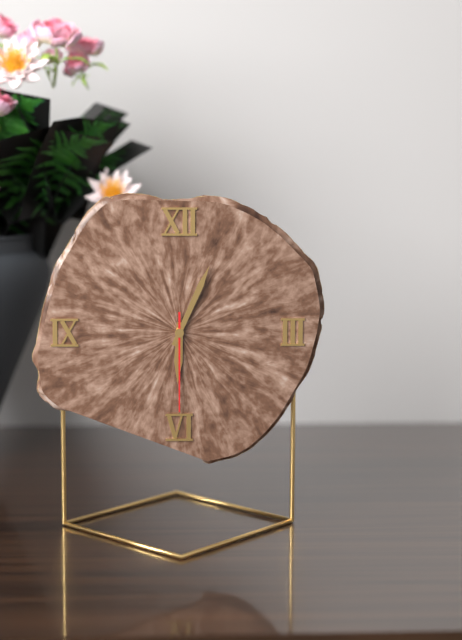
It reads 6:04:30
